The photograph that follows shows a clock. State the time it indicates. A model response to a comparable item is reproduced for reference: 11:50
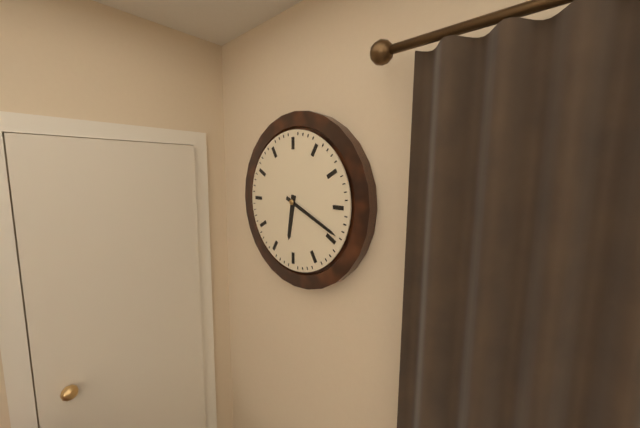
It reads 6:19
